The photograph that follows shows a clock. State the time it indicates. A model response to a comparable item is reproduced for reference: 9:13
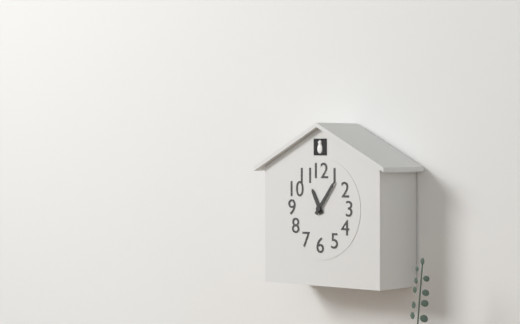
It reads 11:06
